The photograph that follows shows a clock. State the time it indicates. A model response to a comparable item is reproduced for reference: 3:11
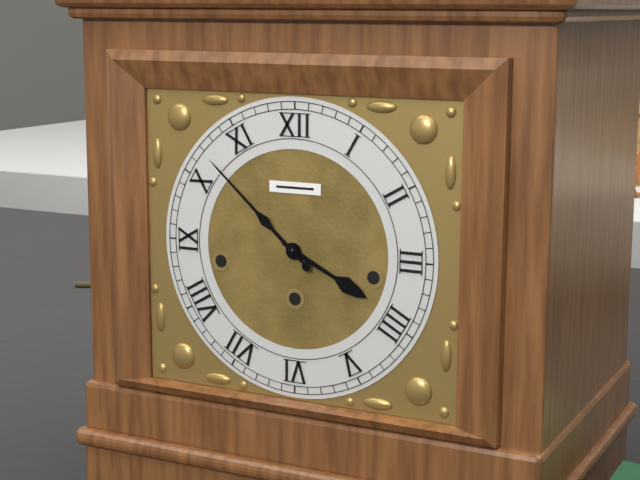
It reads 3:52
